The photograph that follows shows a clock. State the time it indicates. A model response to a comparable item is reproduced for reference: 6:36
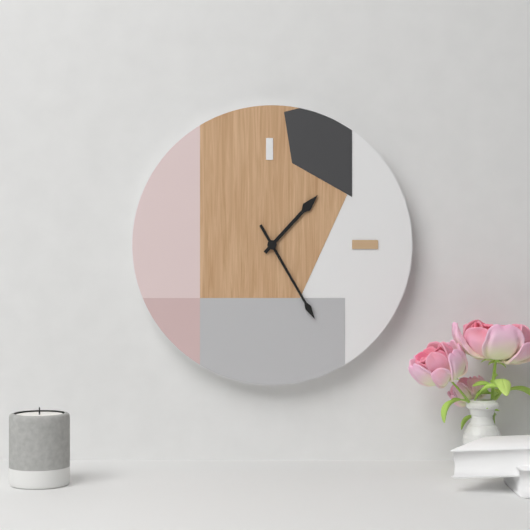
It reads 1:25
